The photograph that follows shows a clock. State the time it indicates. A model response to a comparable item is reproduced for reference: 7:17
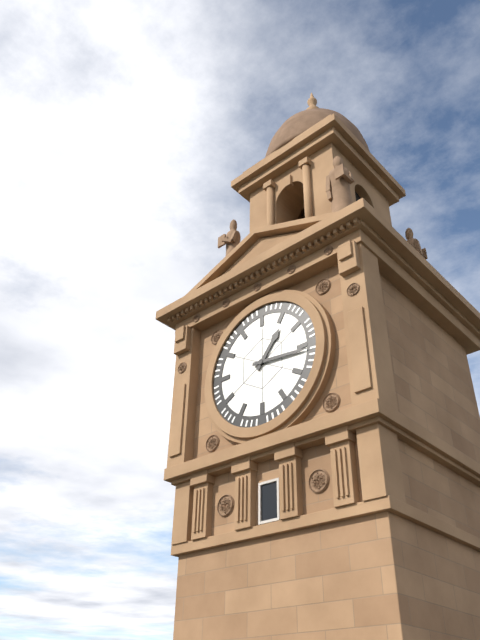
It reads 1:16
